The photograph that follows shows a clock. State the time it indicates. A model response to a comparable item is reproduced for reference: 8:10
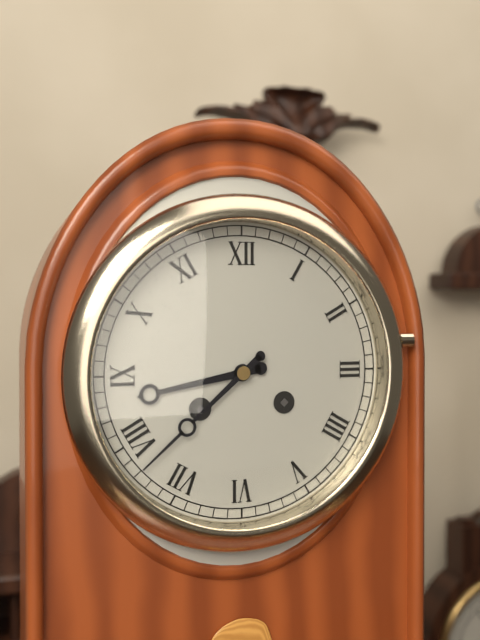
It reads 8:38
